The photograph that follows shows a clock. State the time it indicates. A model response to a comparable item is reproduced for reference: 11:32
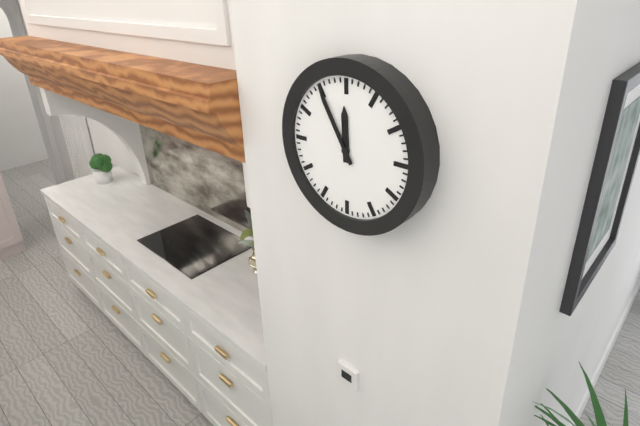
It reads 11:55
